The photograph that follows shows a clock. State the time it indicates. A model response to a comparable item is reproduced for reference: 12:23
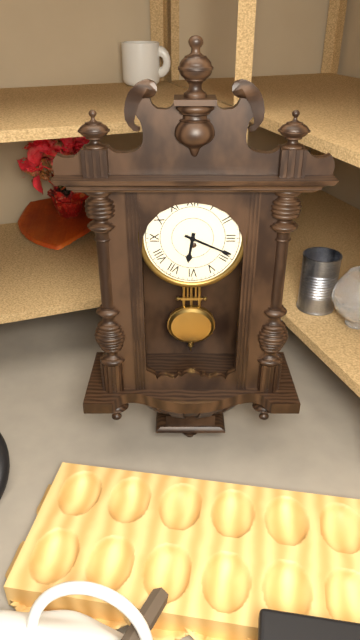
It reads 6:19
